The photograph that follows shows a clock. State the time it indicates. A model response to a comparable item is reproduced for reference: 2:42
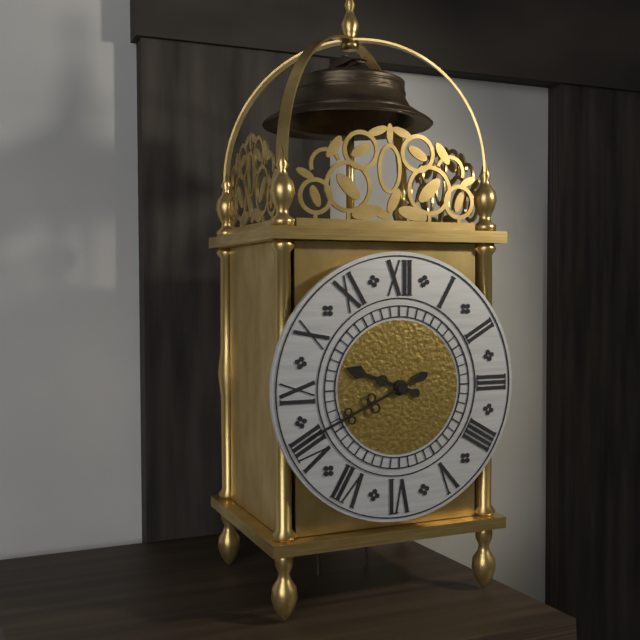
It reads 9:41
